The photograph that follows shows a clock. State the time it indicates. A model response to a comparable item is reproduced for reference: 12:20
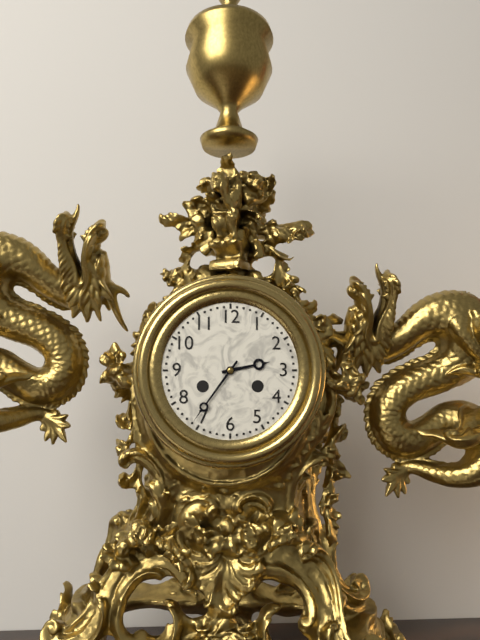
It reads 2:36
